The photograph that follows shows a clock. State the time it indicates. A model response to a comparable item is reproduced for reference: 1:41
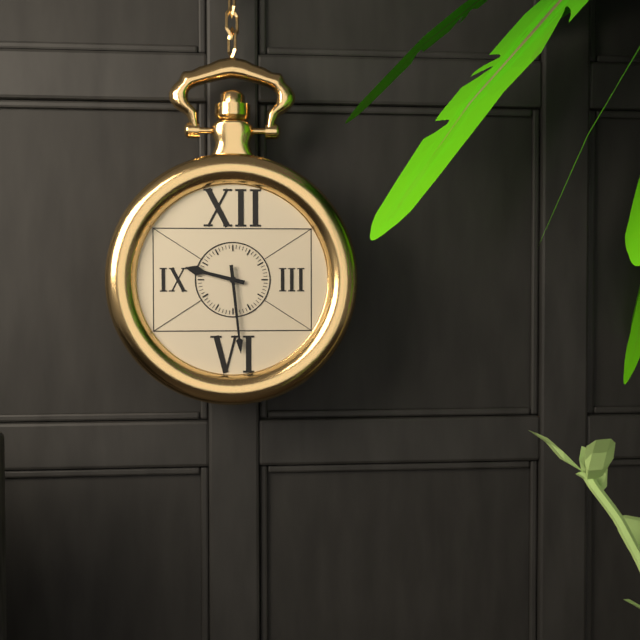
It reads 9:29
